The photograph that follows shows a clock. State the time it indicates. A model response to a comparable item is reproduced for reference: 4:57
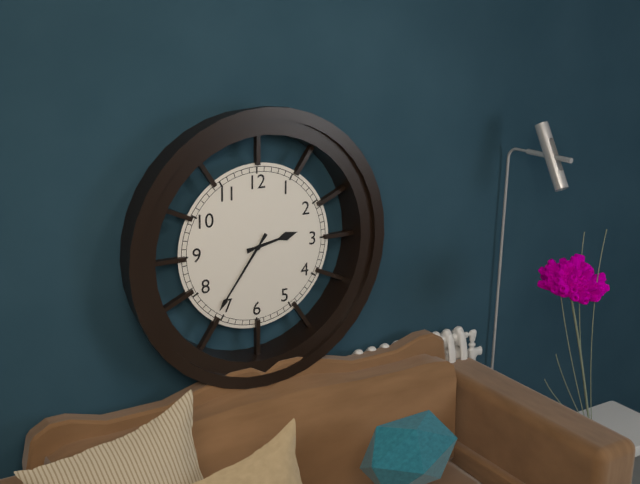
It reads 2:36
